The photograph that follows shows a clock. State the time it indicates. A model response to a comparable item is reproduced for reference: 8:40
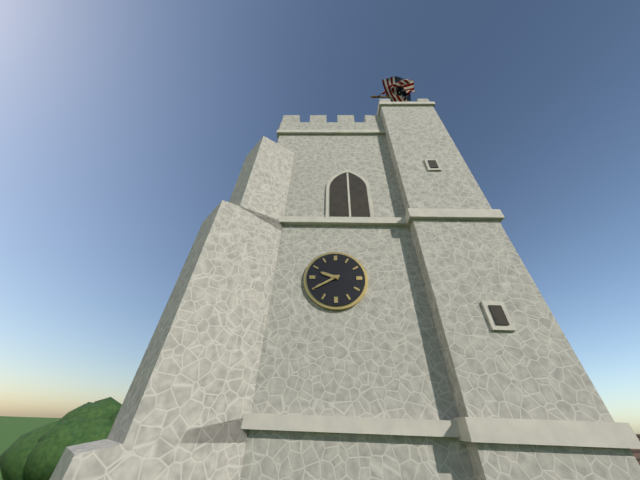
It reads 9:40
